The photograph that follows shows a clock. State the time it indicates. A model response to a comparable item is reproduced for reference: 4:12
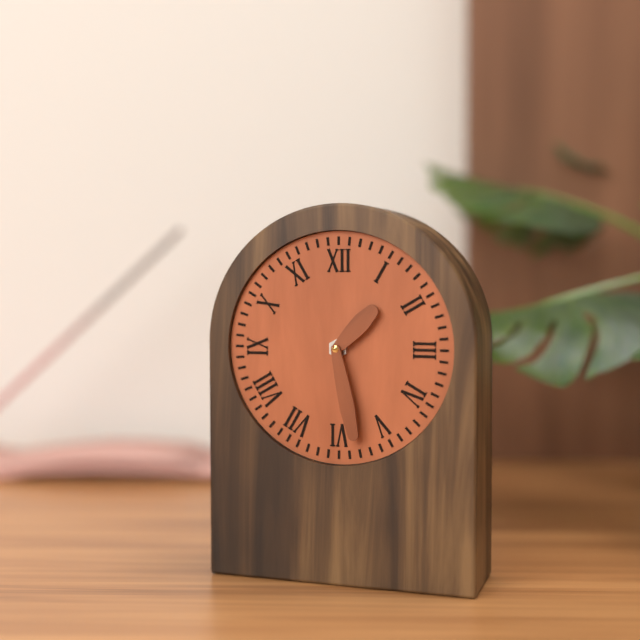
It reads 1:28
